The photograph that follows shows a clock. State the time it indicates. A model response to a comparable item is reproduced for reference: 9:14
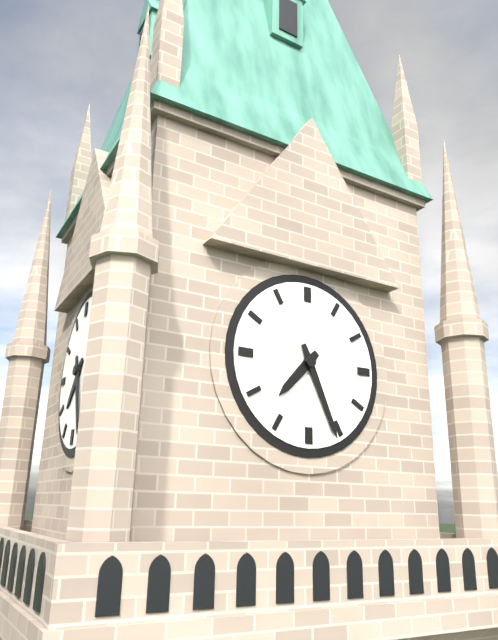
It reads 7:26
